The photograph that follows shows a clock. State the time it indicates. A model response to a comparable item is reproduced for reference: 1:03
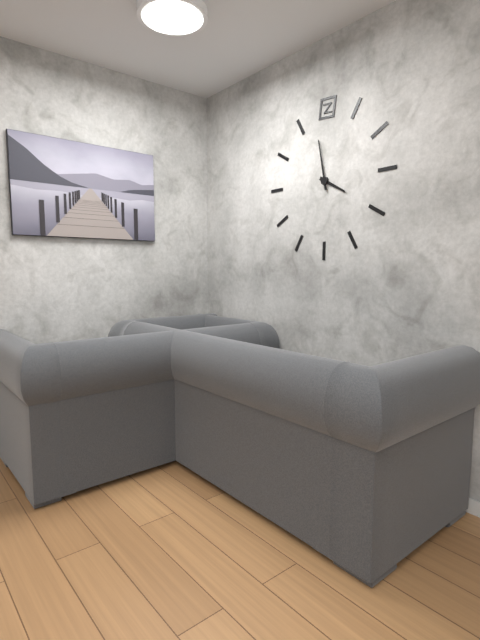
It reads 3:58
